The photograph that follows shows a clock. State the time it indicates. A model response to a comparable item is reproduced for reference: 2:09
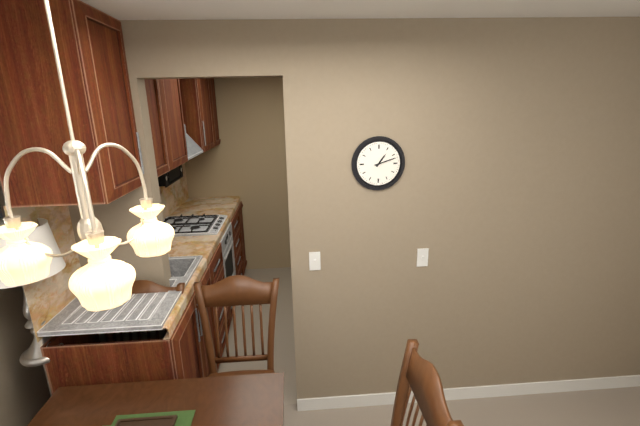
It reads 1:12
